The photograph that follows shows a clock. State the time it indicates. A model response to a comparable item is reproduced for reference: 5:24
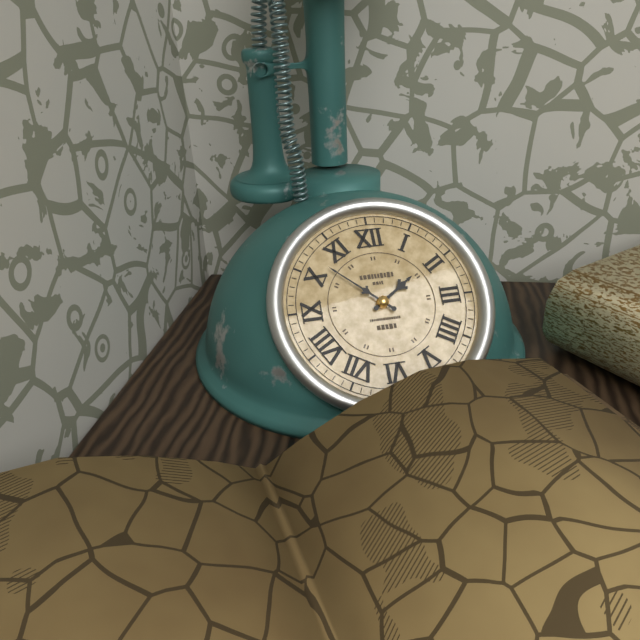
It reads 1:52
